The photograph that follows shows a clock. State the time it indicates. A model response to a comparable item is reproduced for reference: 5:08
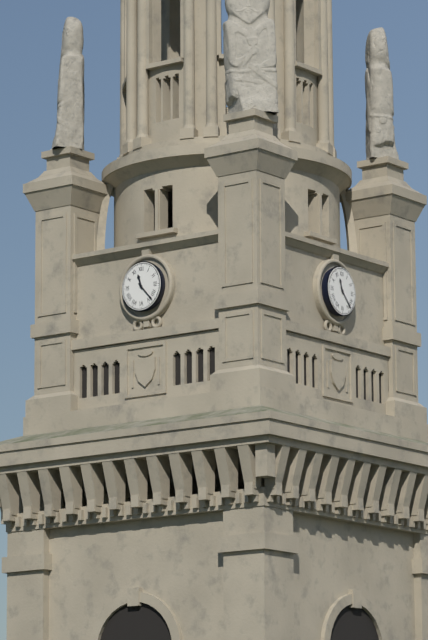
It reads 11:23
